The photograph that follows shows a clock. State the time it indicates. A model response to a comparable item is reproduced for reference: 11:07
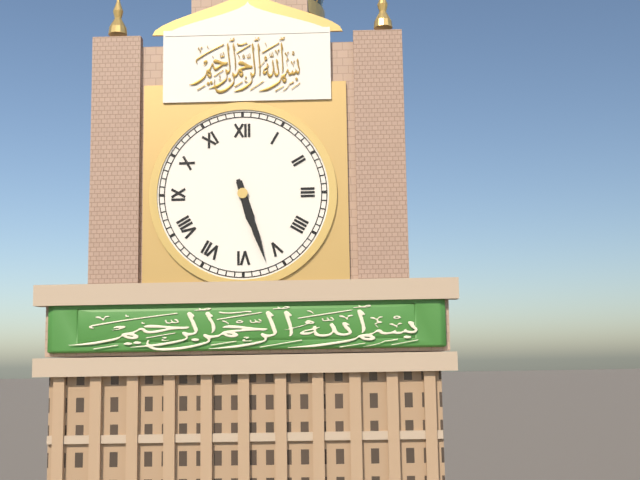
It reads 5:27
